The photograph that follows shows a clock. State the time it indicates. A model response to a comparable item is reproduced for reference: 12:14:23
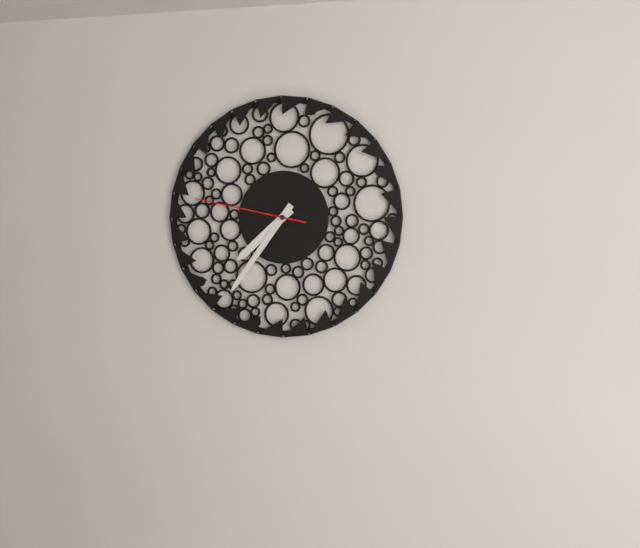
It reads 7:36:47
